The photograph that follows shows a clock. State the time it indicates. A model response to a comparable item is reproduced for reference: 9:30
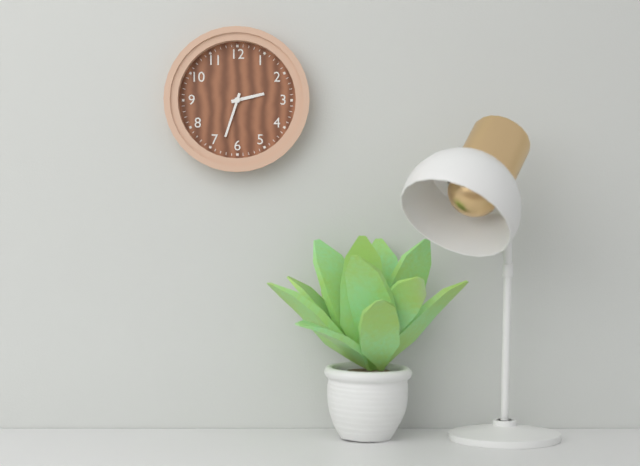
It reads 2:33
